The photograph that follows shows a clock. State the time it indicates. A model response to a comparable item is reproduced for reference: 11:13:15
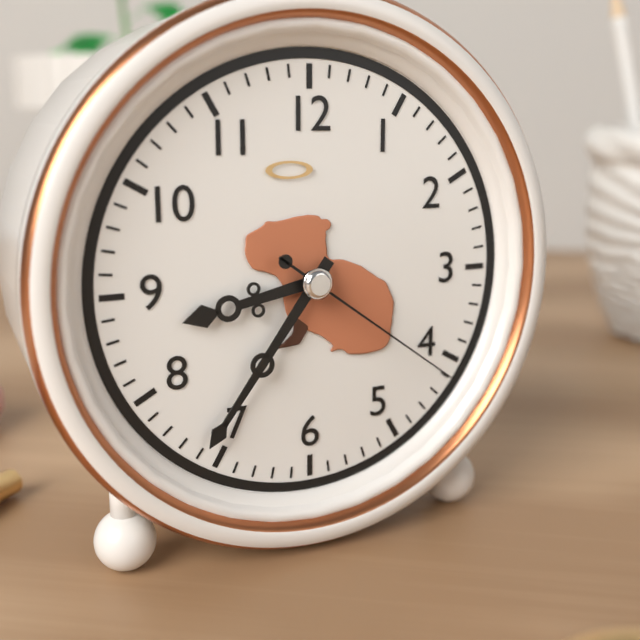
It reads 8:36:21
